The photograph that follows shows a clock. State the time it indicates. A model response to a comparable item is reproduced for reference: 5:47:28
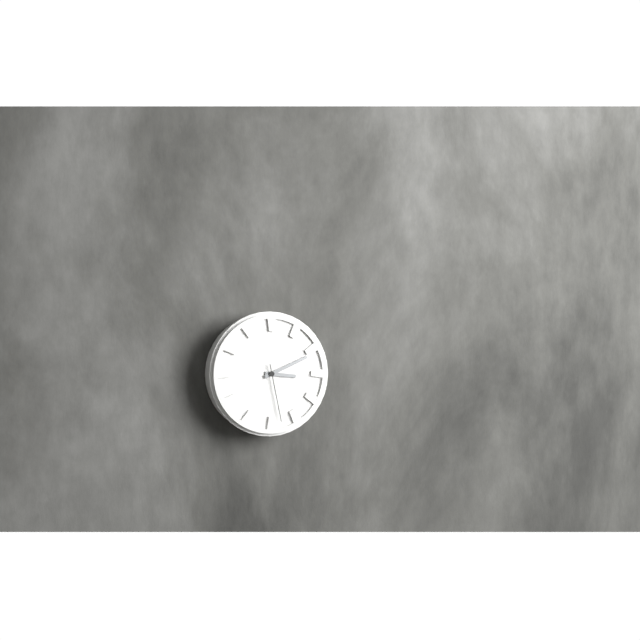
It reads 3:11:28
